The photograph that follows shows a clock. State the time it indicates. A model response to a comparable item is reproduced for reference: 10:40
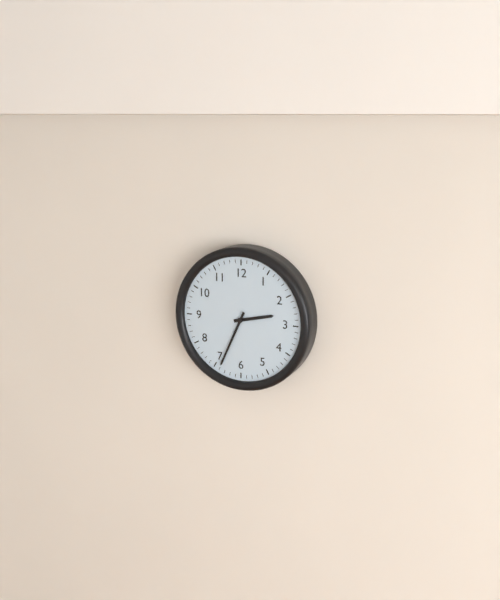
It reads 2:34
